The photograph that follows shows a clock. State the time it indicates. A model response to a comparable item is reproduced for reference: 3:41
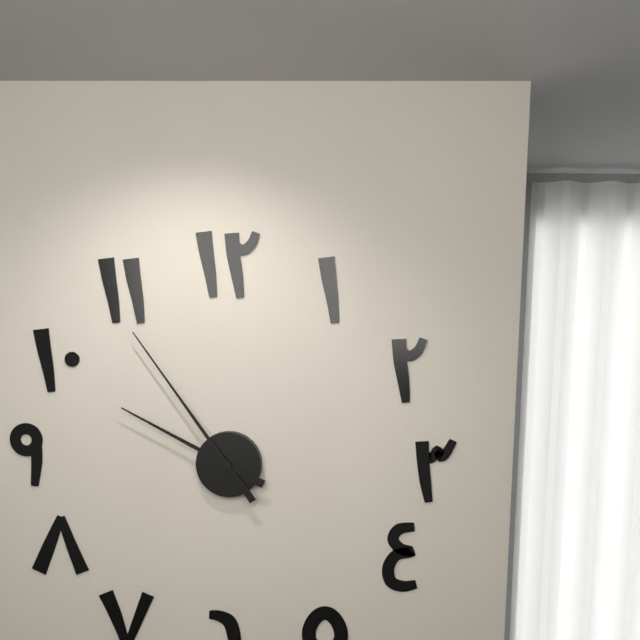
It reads 9:54
